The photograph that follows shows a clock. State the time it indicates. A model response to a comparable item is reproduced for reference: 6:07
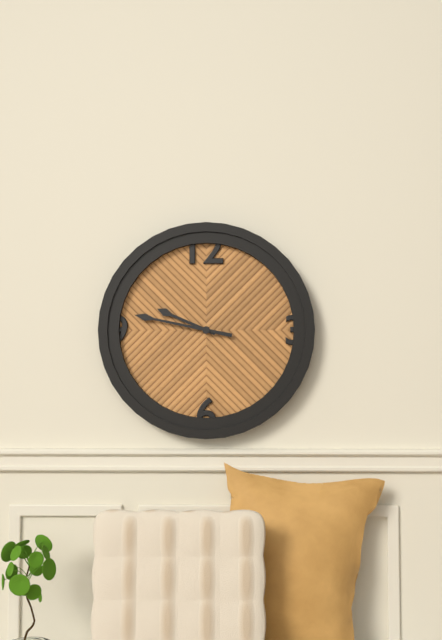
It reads 9:47
